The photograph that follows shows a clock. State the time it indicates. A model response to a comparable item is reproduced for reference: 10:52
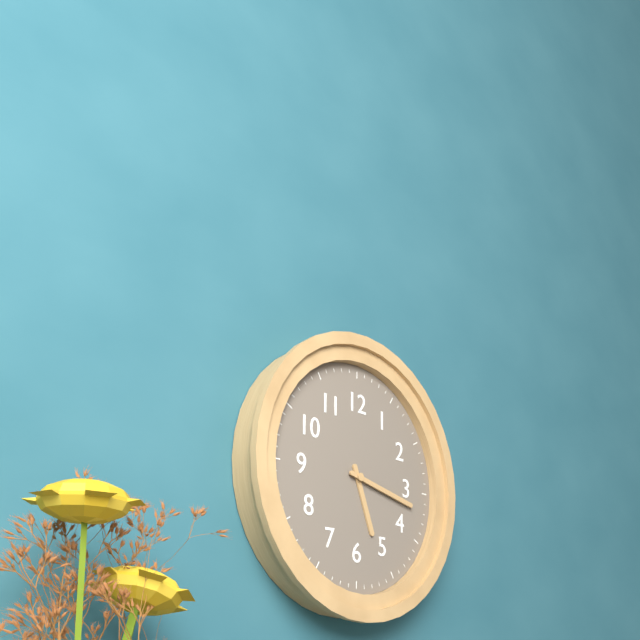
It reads 5:17
